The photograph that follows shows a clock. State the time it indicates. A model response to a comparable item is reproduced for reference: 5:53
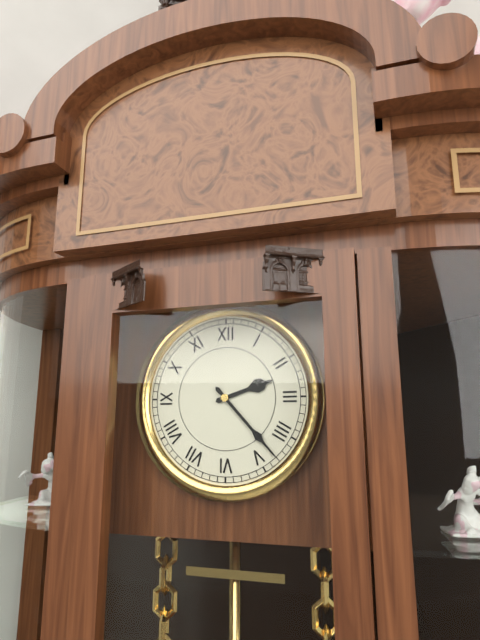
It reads 2:23
